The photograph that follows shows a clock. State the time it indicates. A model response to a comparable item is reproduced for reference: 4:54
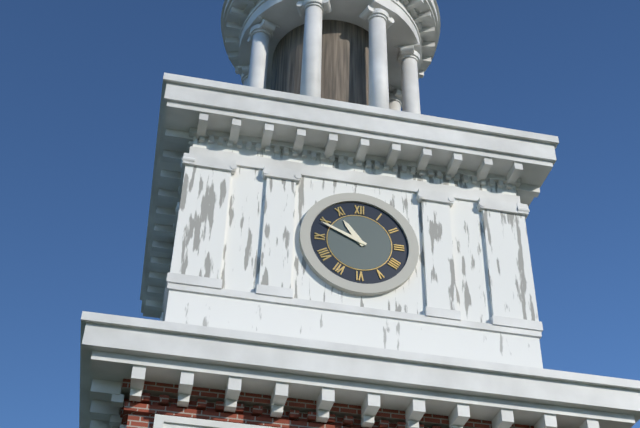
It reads 10:49
